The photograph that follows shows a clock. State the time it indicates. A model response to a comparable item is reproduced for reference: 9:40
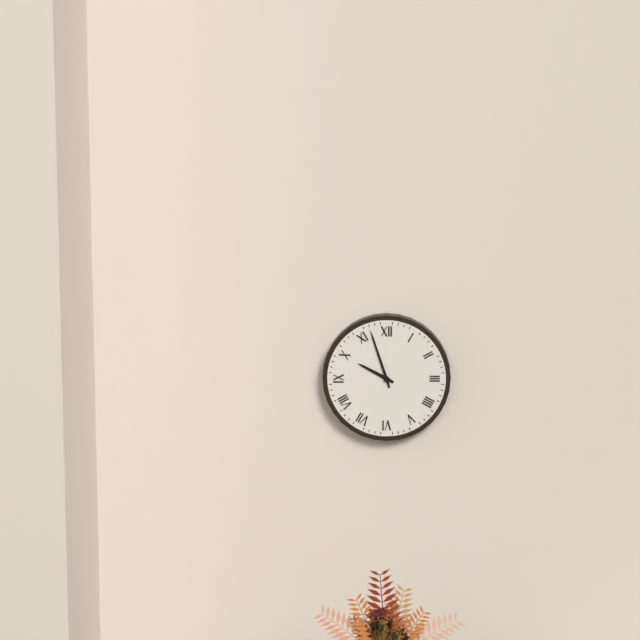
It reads 9:57
